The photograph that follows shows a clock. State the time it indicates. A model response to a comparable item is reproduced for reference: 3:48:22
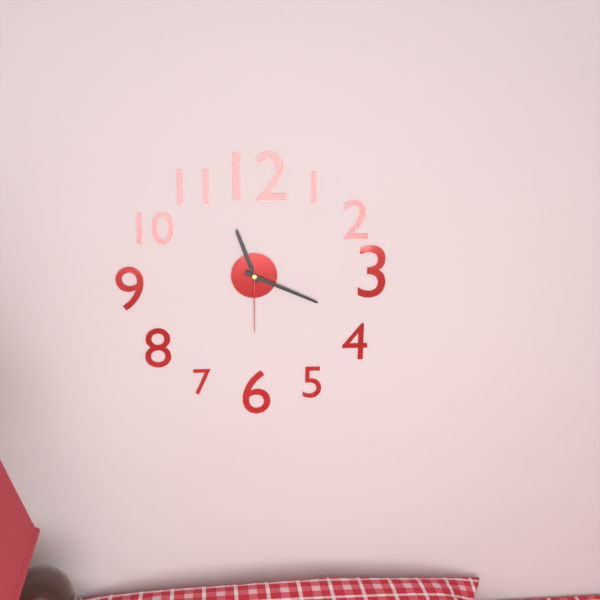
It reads 11:19:30
